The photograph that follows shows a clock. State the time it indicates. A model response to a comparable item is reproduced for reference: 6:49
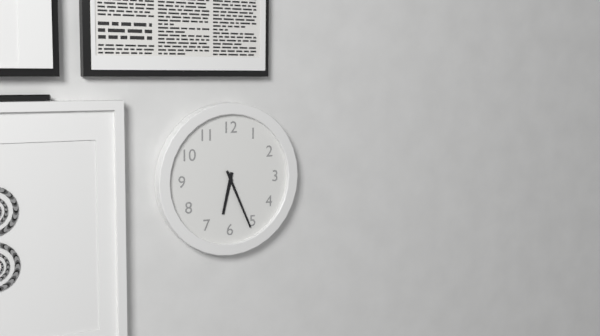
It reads 6:26
